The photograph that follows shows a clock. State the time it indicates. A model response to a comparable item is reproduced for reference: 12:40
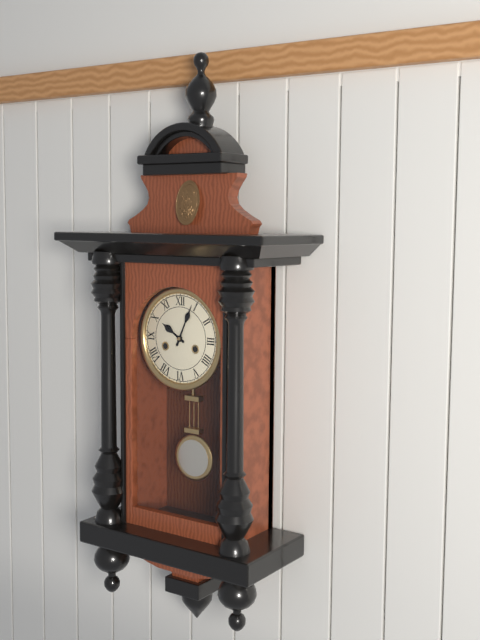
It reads 10:04
